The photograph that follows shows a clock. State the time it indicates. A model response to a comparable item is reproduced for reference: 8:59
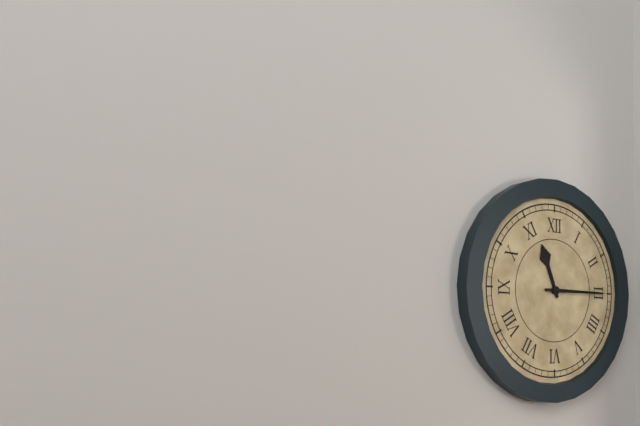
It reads 11:15
